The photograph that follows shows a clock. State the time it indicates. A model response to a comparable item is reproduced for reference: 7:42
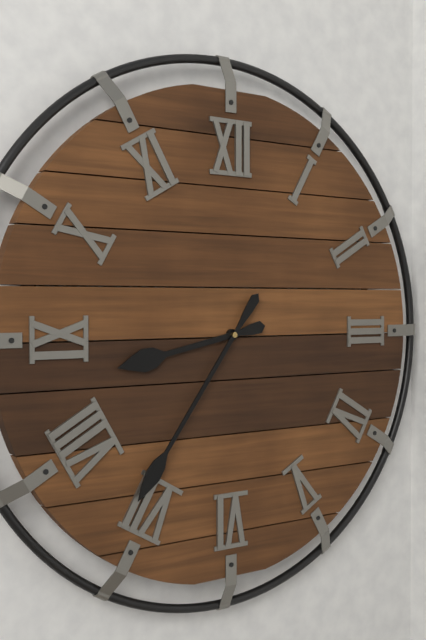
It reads 8:36
